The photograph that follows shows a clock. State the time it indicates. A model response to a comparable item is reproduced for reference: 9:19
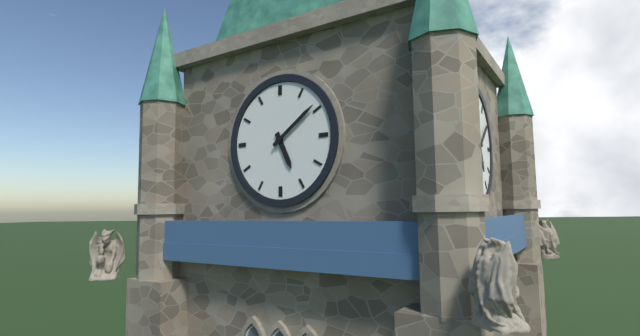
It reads 5:09
